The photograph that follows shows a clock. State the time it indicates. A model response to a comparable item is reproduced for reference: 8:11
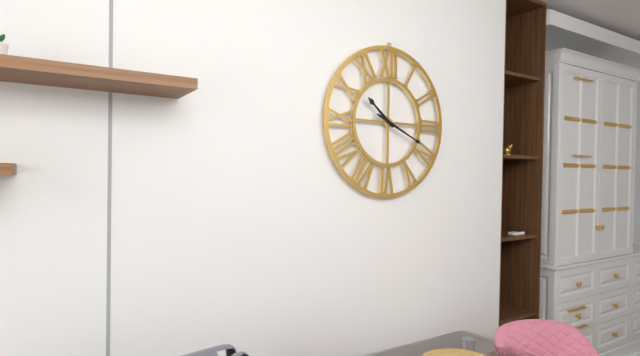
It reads 10:19
